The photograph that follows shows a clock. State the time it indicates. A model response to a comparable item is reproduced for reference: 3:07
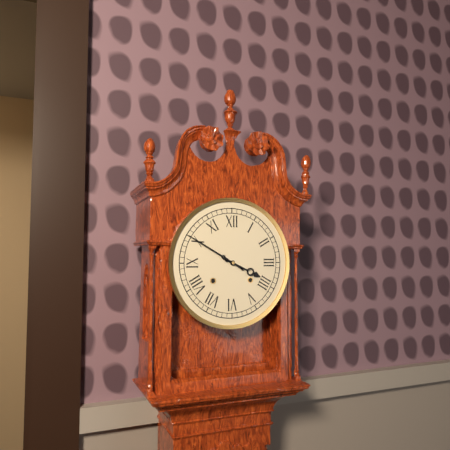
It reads 3:50
